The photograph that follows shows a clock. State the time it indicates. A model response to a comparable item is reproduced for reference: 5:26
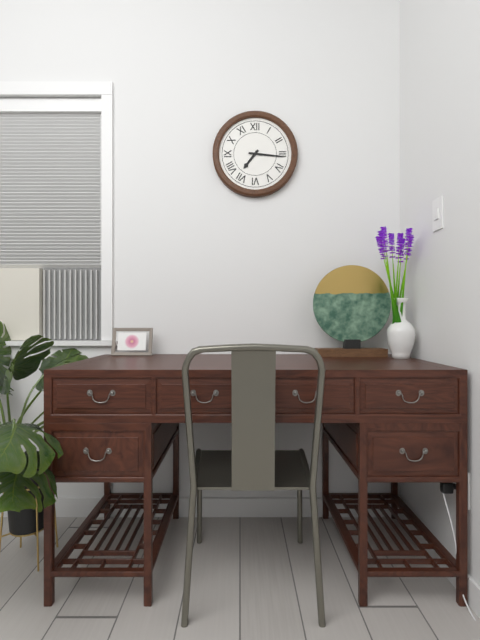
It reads 7:16
